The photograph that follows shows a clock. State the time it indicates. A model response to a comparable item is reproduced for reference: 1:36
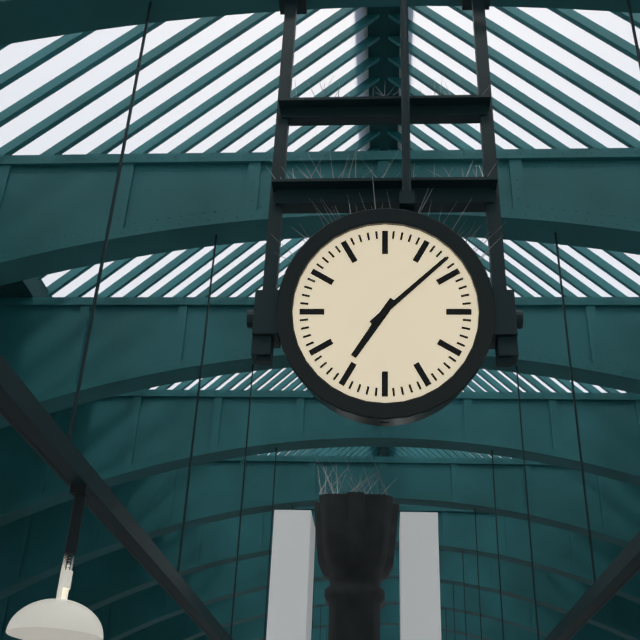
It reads 7:08
